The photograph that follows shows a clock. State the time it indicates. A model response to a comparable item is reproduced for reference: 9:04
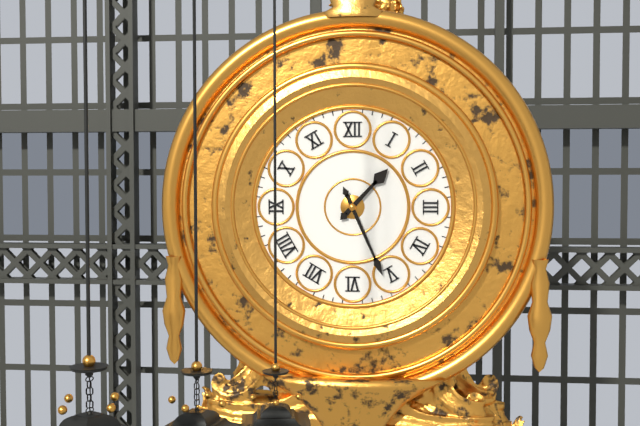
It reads 1:26
